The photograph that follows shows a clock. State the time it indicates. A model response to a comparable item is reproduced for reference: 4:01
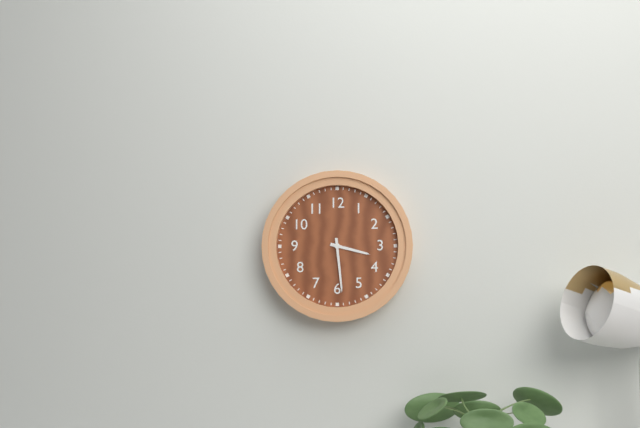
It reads 3:29
